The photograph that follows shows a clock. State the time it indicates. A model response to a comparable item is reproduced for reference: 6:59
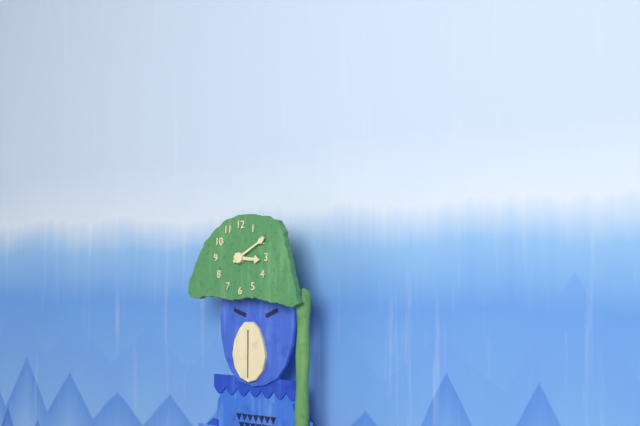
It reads 3:10
